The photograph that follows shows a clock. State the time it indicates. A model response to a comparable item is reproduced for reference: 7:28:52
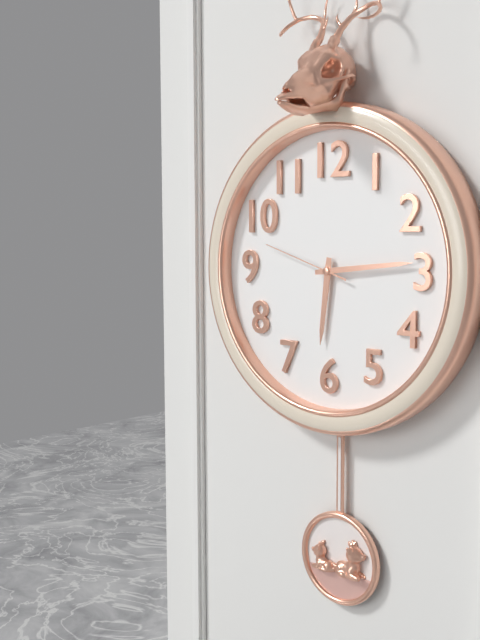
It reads 6:14:48
